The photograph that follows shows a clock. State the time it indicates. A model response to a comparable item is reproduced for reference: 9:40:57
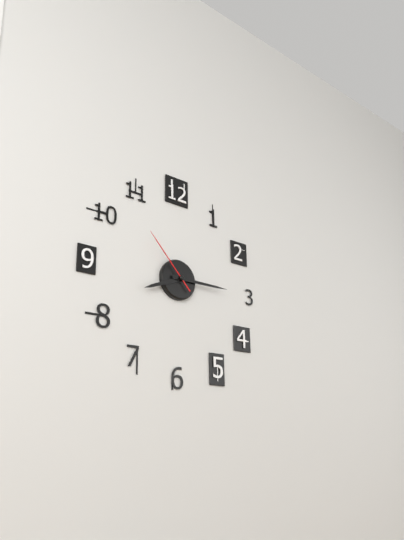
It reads 8:15:53
